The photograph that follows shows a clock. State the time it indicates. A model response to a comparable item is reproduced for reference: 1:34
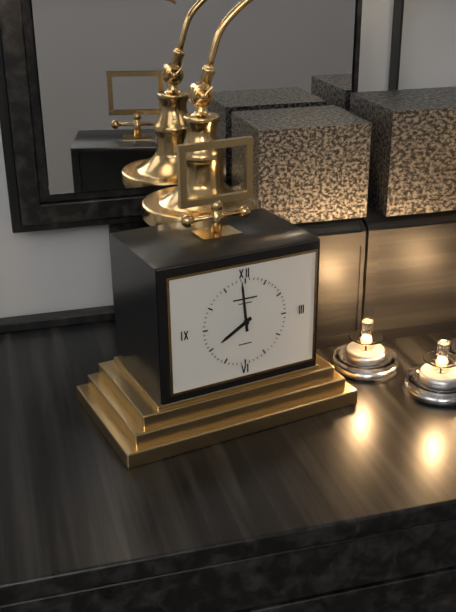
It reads 7:59
